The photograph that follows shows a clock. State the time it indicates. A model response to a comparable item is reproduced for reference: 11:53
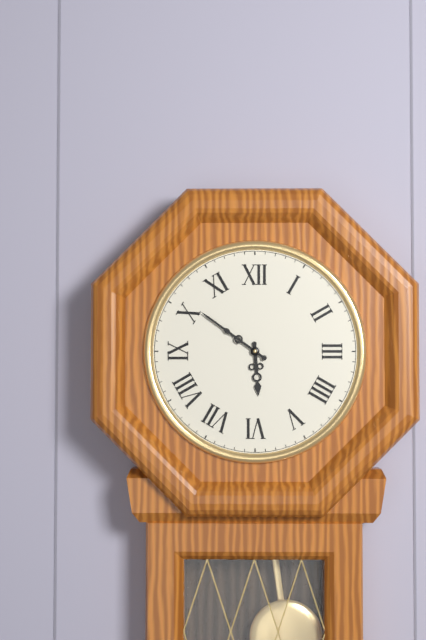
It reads 5:51
